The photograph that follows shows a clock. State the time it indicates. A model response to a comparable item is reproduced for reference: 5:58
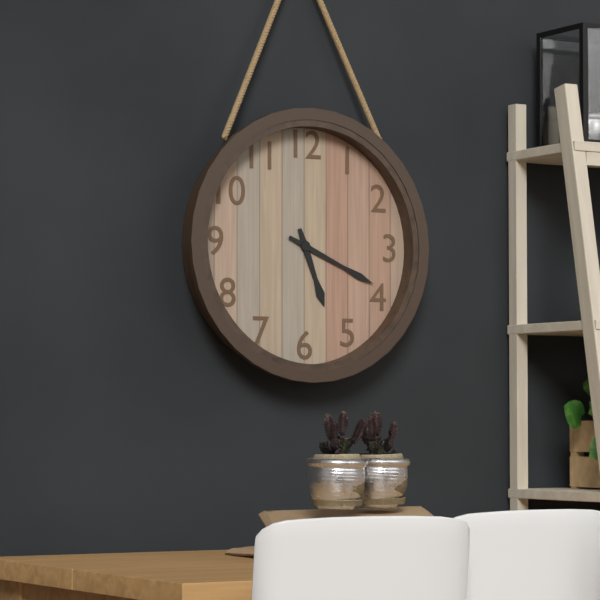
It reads 5:19
